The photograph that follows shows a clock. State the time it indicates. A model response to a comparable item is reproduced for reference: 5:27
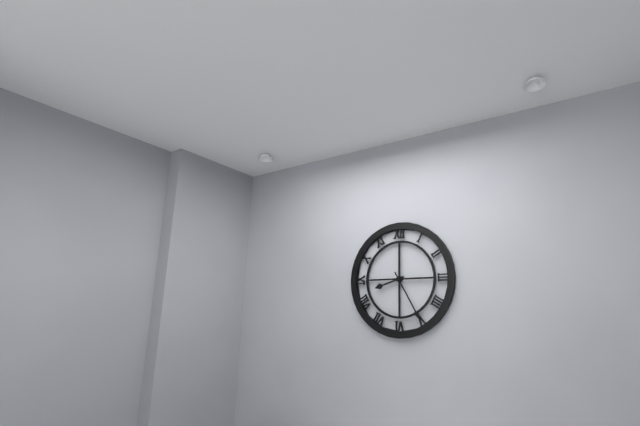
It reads 8:25
